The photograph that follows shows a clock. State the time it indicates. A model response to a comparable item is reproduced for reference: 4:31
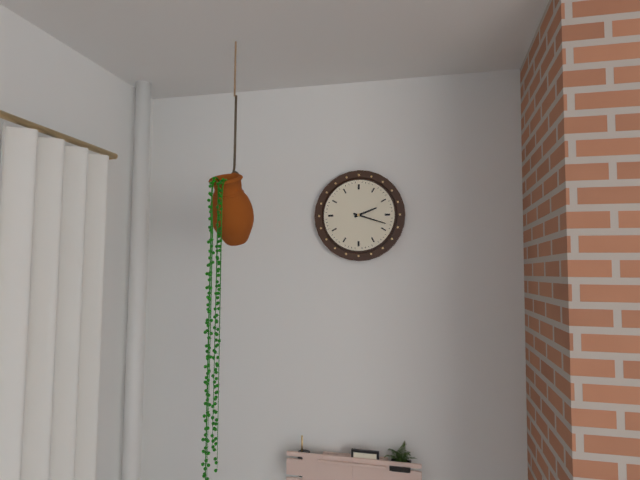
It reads 2:18
